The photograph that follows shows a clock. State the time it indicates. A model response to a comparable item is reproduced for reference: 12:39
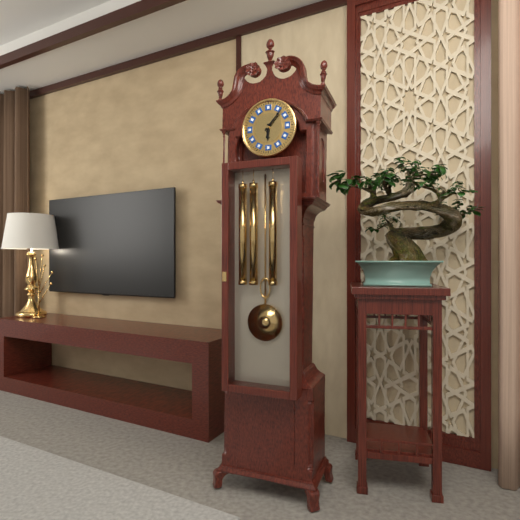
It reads 6:07
